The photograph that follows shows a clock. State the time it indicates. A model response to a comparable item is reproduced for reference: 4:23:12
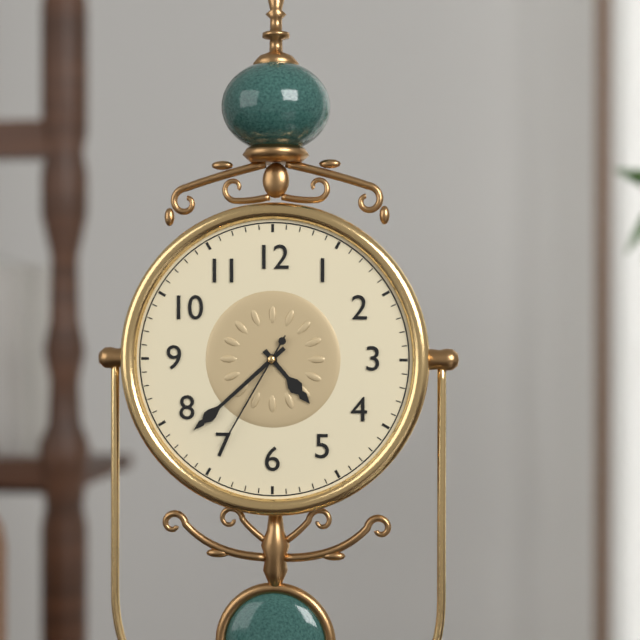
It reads 4:38:35
